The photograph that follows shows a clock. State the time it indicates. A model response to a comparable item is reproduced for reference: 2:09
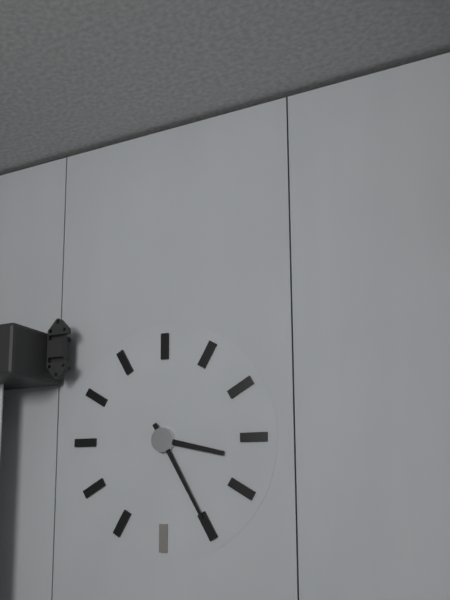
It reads 3:25
